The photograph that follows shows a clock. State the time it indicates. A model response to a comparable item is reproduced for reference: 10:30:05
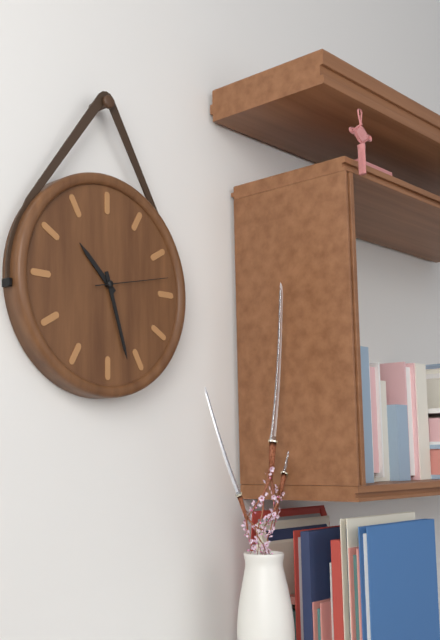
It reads 10:27:13
